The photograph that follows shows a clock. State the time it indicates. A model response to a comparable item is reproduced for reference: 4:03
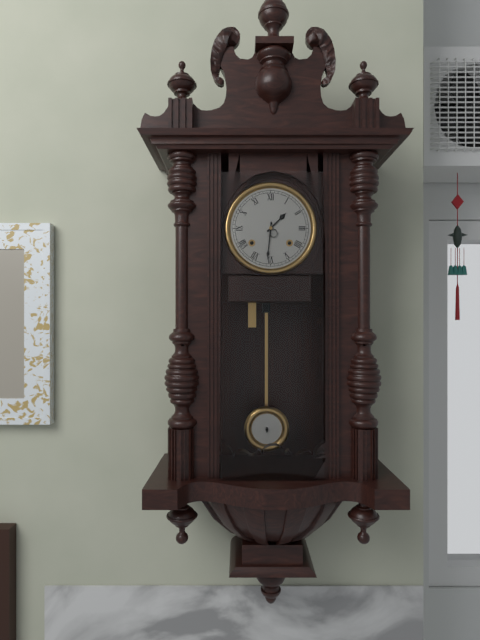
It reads 1:31
